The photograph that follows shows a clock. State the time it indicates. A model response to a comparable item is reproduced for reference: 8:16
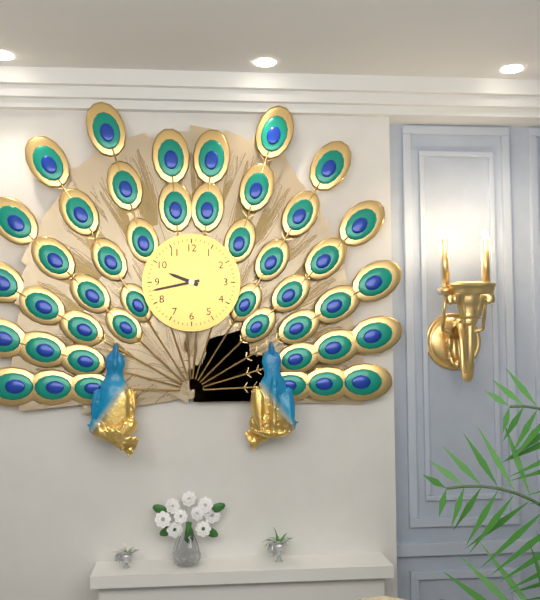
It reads 9:43
